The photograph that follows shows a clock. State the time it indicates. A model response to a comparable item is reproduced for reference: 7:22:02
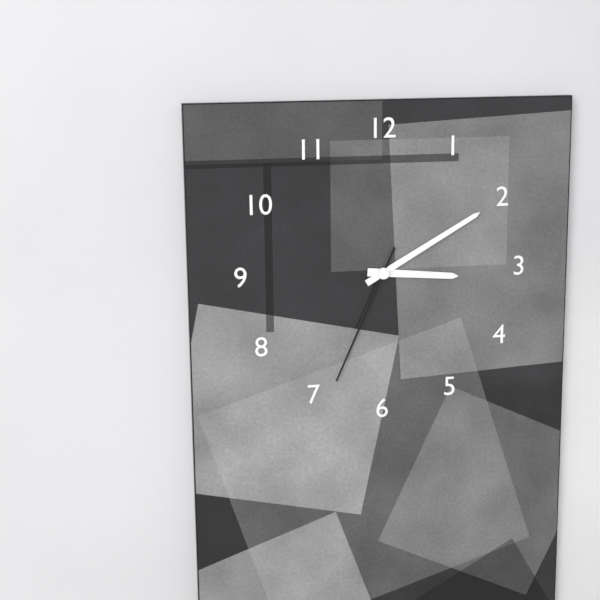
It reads 3:10:34
